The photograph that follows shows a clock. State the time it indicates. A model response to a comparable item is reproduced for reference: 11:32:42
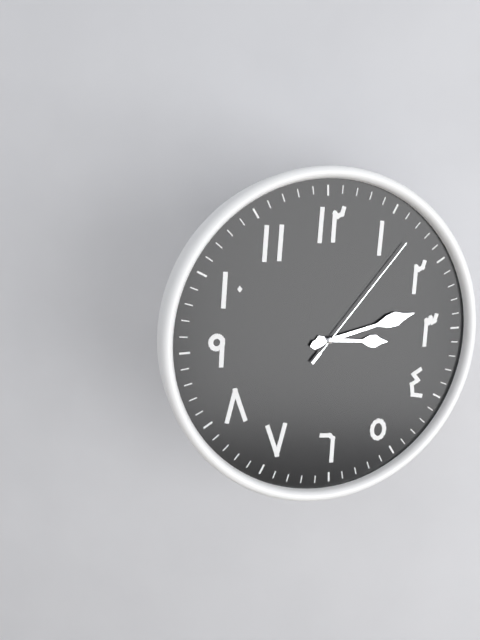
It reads 3:13:07
